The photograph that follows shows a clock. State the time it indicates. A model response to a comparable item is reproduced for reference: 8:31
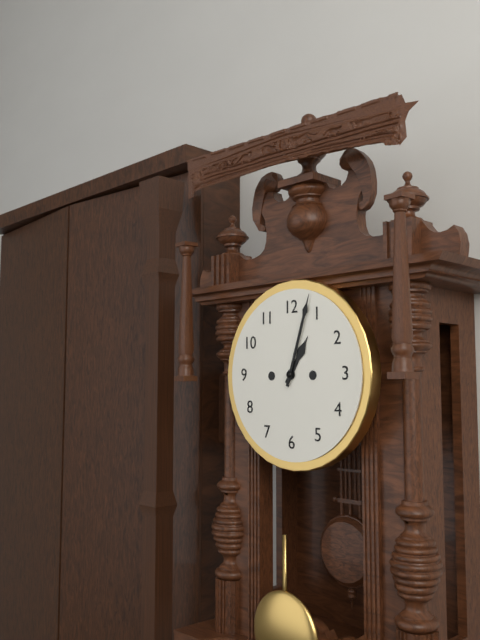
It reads 1:03
